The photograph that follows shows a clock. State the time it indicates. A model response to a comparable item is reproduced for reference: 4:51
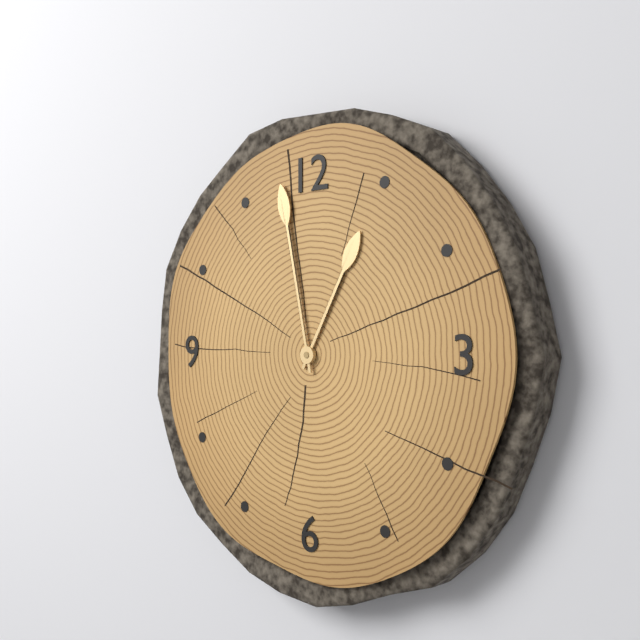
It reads 12:58
